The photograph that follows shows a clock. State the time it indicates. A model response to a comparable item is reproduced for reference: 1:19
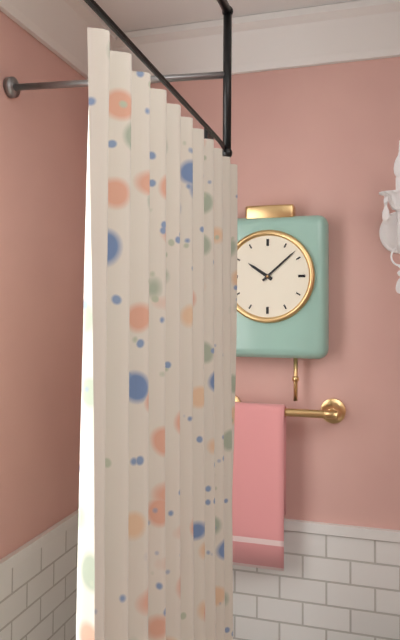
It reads 10:08
